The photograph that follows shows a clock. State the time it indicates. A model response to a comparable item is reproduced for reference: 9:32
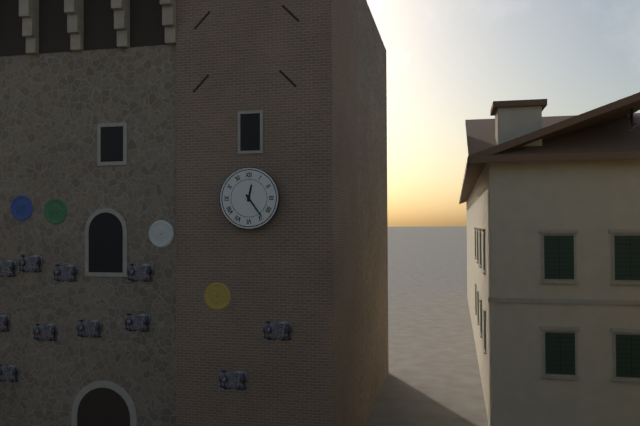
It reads 12:24
